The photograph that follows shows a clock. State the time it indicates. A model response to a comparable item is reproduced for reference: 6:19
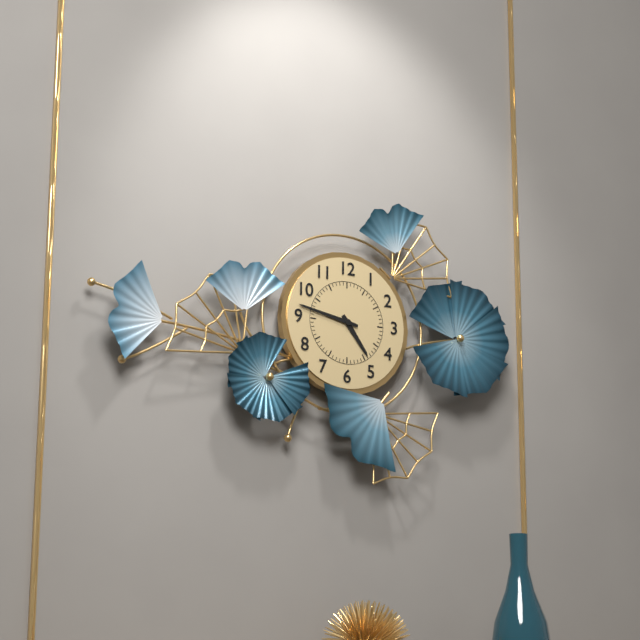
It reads 4:47
